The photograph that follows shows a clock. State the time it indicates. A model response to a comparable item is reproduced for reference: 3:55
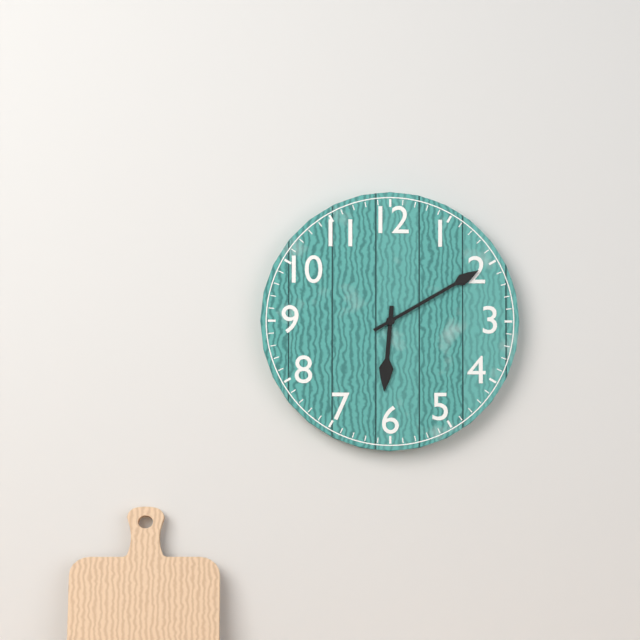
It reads 6:10
